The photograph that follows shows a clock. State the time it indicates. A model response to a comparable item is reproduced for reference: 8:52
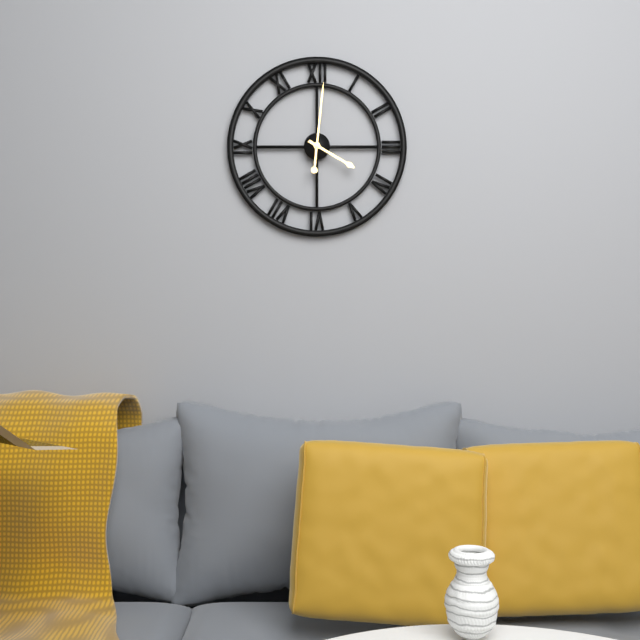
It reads 4:01
